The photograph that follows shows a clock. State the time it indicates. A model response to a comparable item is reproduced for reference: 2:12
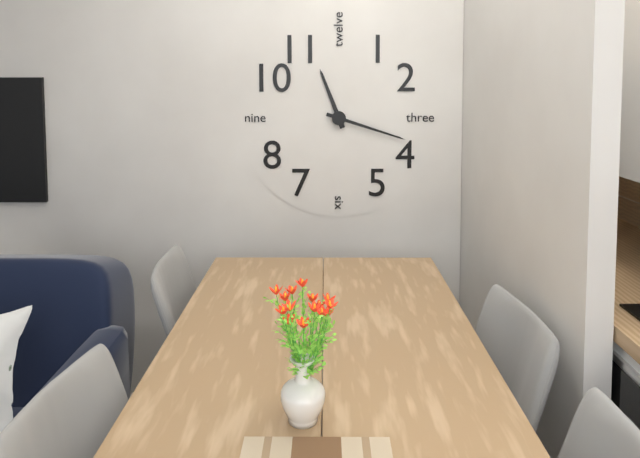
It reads 11:18
